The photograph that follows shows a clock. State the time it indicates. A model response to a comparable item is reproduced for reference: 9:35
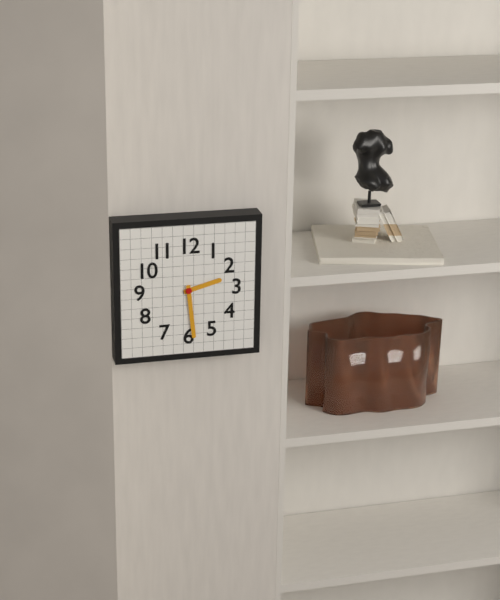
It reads 2:29
